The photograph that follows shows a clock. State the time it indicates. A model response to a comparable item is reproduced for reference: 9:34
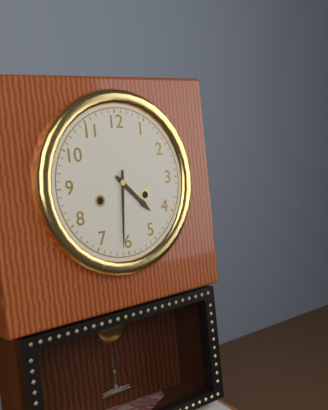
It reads 4:31
